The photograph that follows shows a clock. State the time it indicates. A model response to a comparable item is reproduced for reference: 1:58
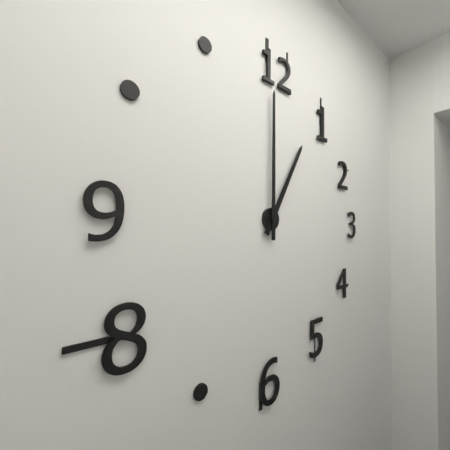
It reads 1:00
